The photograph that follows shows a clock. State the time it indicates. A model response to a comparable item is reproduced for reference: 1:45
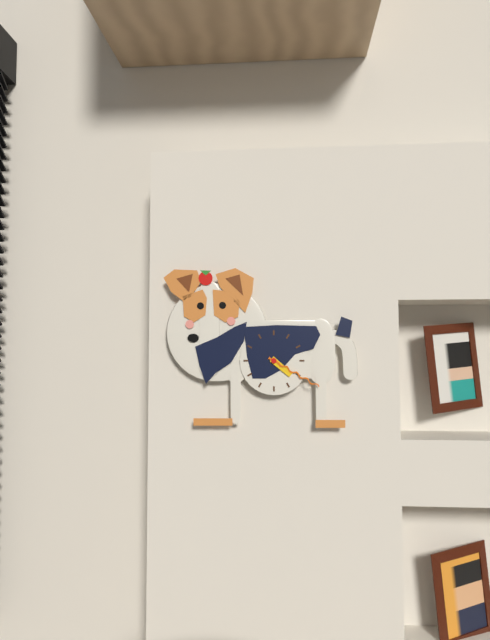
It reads 4:20
